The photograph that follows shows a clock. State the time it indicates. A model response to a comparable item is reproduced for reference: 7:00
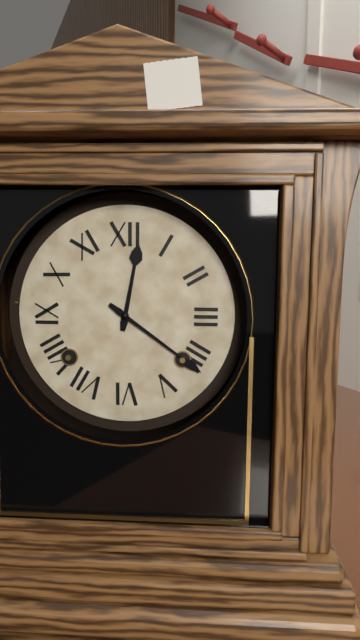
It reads 12:21
